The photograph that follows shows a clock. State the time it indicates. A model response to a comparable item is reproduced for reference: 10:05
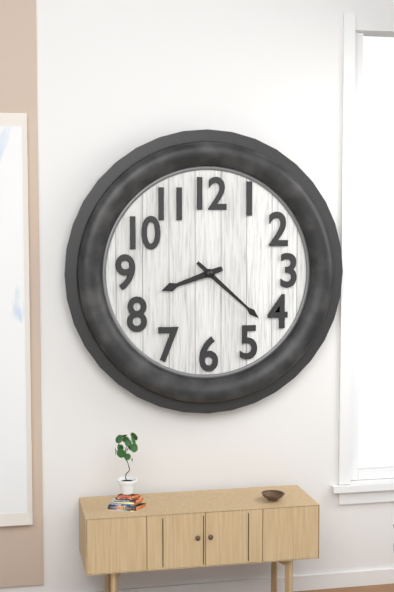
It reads 8:22
